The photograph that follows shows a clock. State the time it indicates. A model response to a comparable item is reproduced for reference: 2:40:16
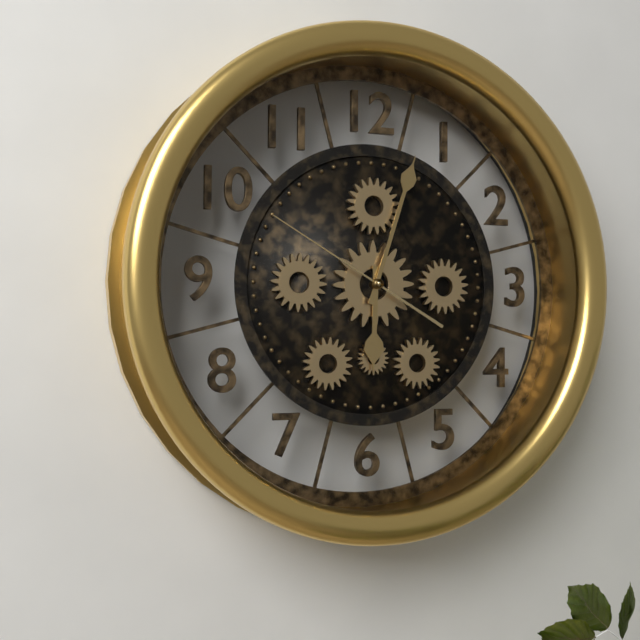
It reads 6:03:50
